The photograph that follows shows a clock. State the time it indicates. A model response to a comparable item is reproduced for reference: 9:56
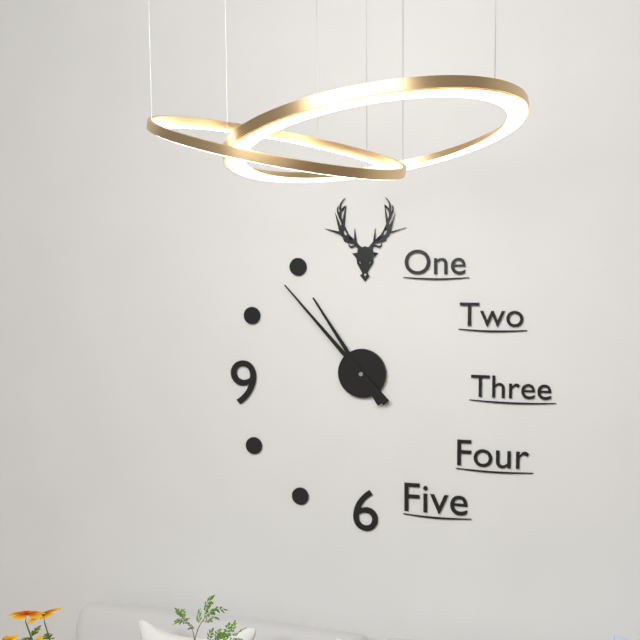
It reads 10:53
